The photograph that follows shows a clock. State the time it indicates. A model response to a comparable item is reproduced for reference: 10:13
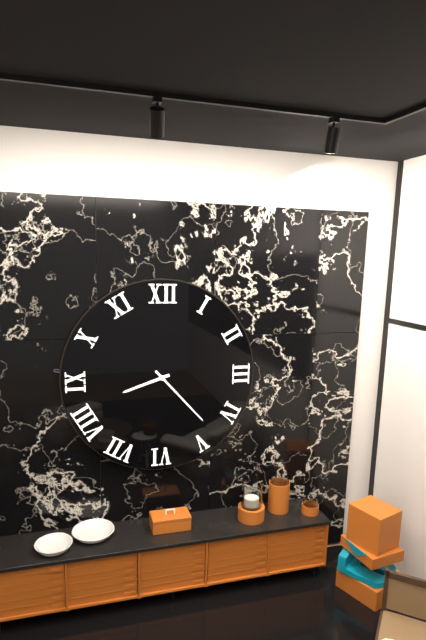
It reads 8:23
